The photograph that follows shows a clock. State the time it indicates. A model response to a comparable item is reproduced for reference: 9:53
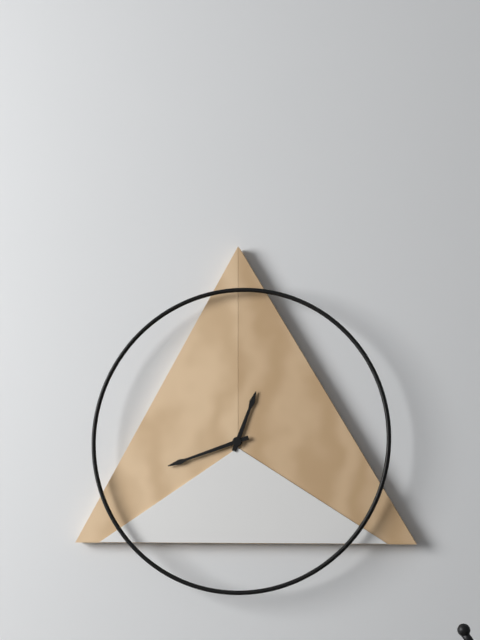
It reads 12:42
